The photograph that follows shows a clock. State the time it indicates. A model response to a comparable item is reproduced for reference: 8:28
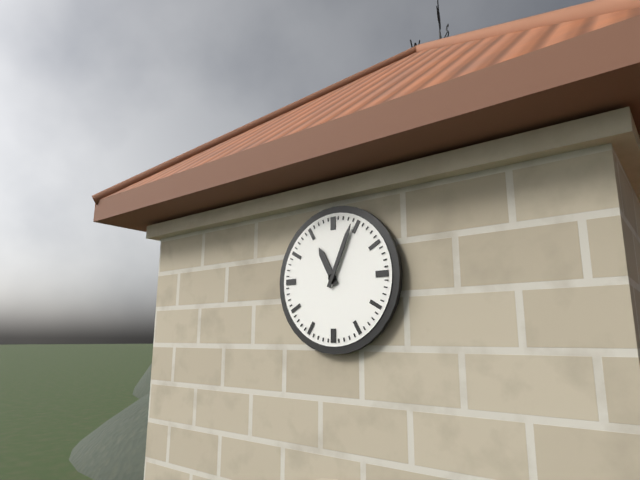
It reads 11:04
